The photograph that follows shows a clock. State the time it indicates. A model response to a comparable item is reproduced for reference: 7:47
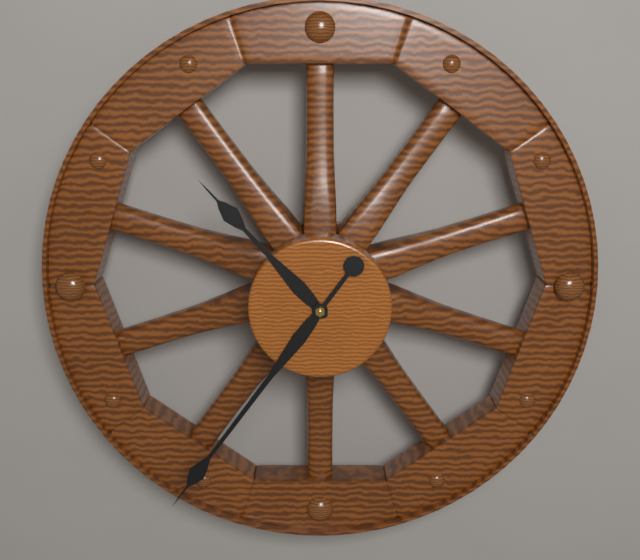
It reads 10:36
